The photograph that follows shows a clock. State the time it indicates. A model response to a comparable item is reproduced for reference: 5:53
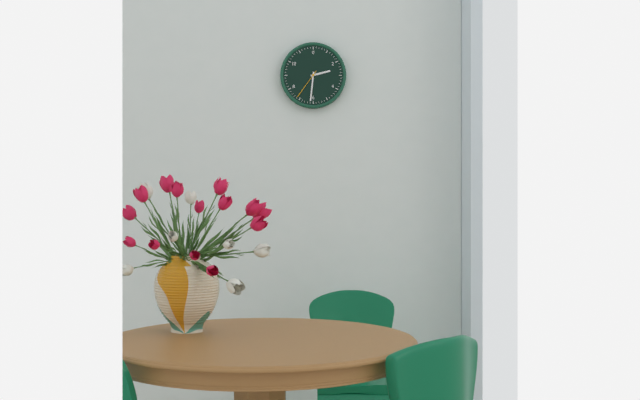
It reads 2:31
